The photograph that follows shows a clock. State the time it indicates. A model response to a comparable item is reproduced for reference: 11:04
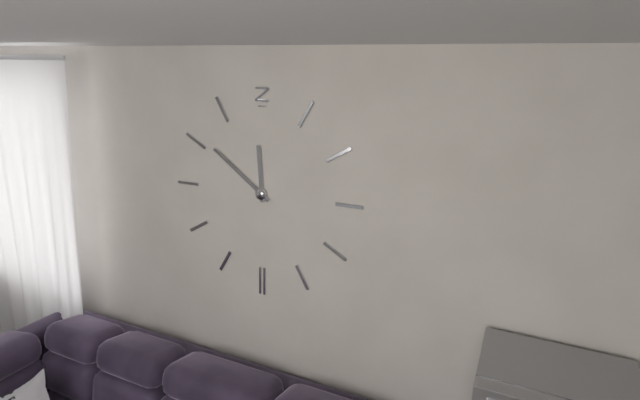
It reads 11:51
